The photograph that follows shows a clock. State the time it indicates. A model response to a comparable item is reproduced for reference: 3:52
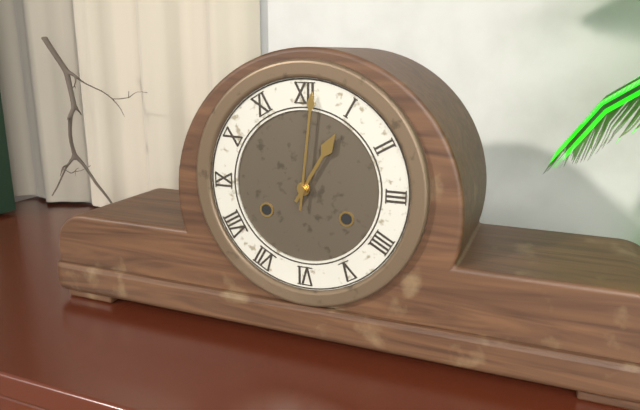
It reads 1:01
